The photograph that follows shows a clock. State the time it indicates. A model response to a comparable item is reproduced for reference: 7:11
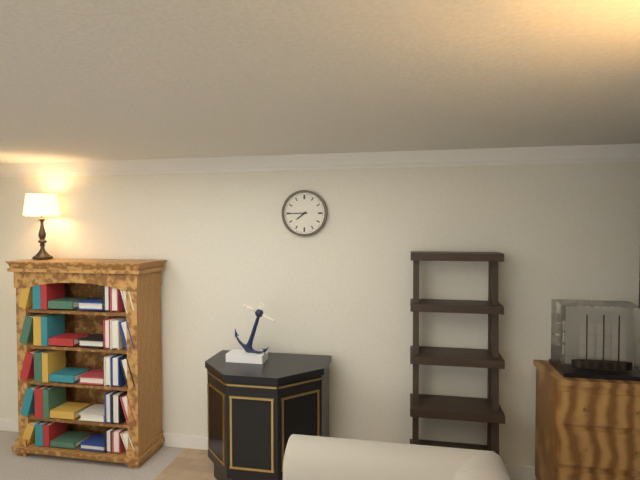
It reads 7:45
